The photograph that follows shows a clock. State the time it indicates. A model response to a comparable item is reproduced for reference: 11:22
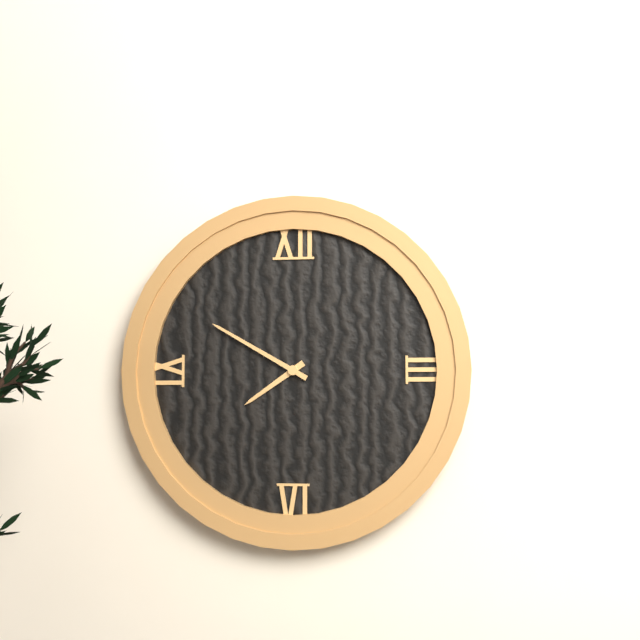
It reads 7:50
